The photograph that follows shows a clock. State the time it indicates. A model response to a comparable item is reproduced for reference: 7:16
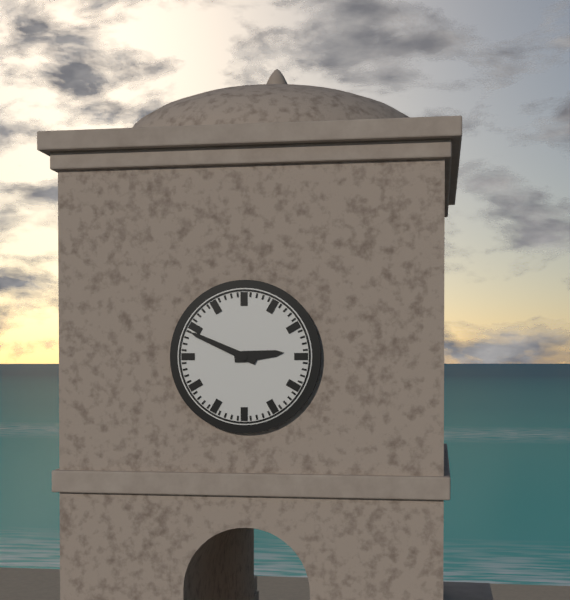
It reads 2:49
